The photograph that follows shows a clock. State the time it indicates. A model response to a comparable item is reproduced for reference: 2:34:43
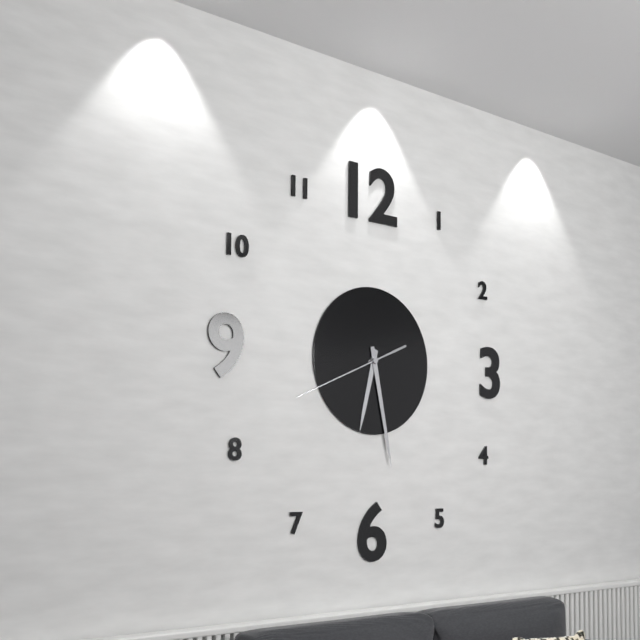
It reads 6:28:41
